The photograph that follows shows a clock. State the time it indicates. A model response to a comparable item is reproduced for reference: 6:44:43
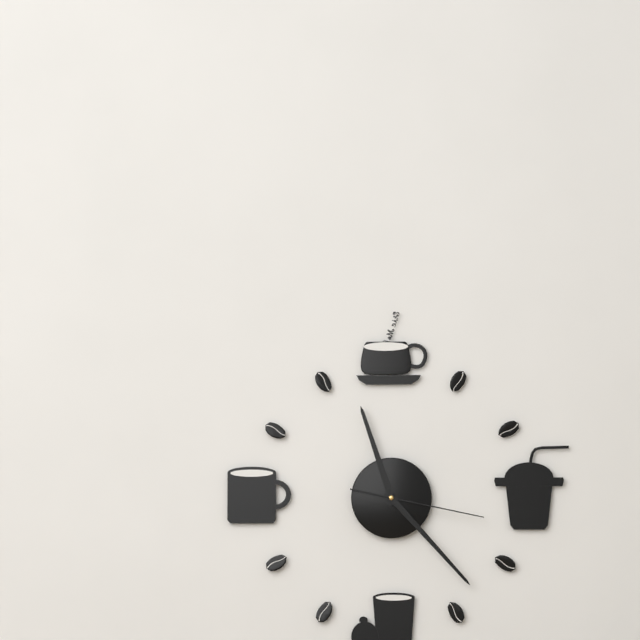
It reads 11:23:17
